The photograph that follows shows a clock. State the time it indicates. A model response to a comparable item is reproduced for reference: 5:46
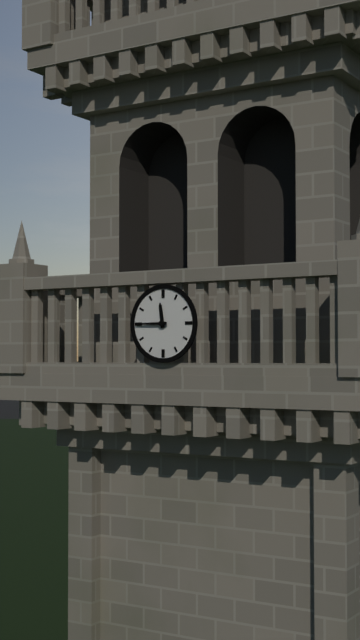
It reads 11:45
